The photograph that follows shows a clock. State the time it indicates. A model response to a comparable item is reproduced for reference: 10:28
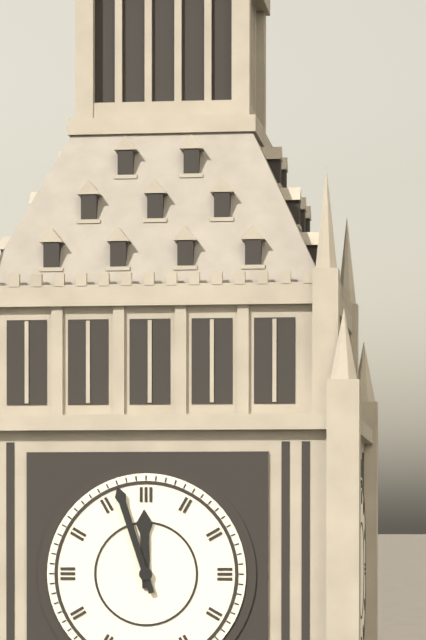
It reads 11:57
